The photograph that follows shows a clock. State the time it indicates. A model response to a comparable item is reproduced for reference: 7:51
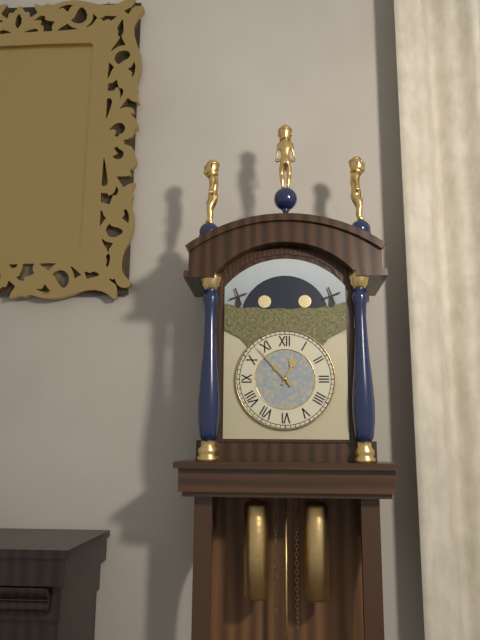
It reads 12:53
